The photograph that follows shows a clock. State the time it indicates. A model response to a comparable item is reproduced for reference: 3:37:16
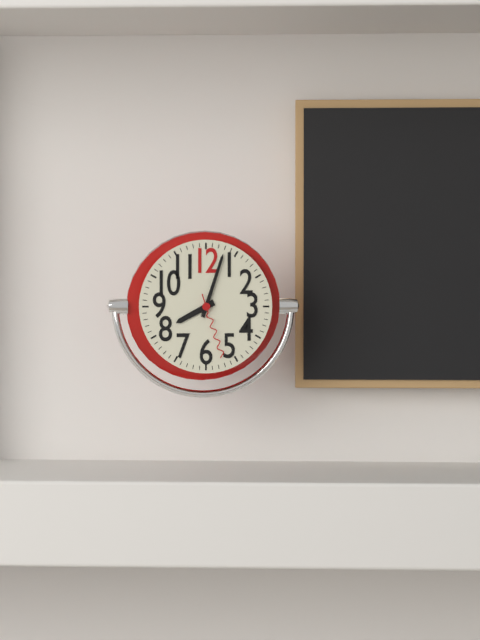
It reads 8:03:27
